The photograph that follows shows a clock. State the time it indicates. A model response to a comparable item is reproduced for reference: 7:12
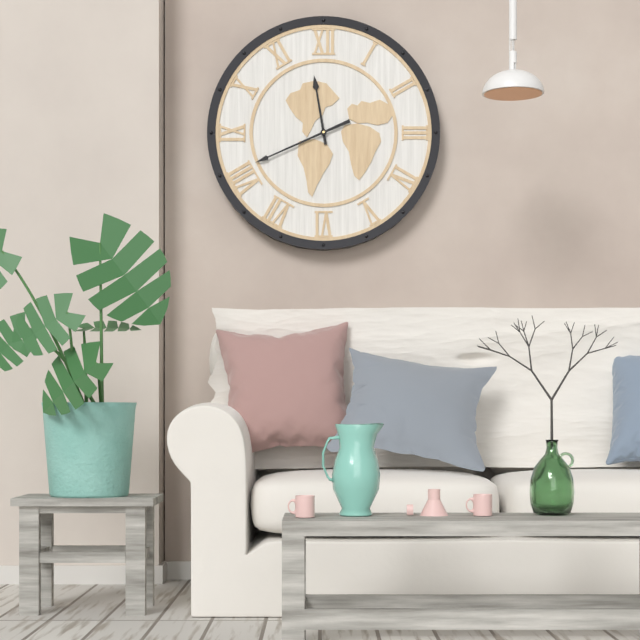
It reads 11:41
